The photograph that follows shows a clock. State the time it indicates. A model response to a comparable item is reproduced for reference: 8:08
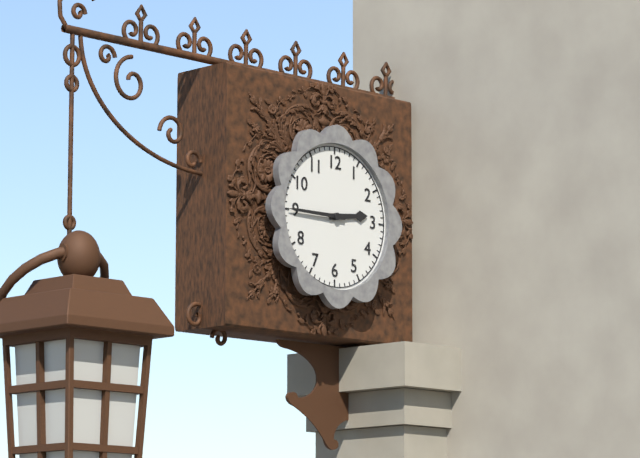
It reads 2:45
